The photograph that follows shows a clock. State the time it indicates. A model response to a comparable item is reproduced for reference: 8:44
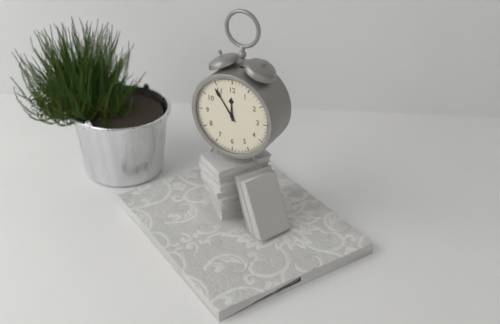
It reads 11:54
